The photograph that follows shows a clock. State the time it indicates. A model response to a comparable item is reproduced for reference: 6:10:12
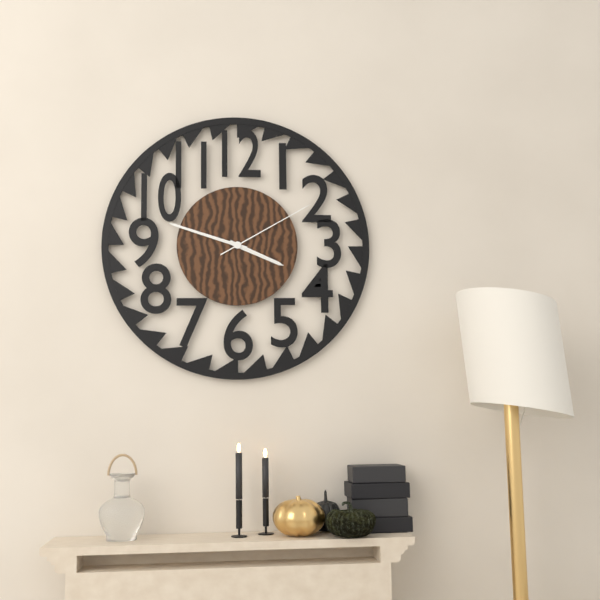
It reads 3:48:10
